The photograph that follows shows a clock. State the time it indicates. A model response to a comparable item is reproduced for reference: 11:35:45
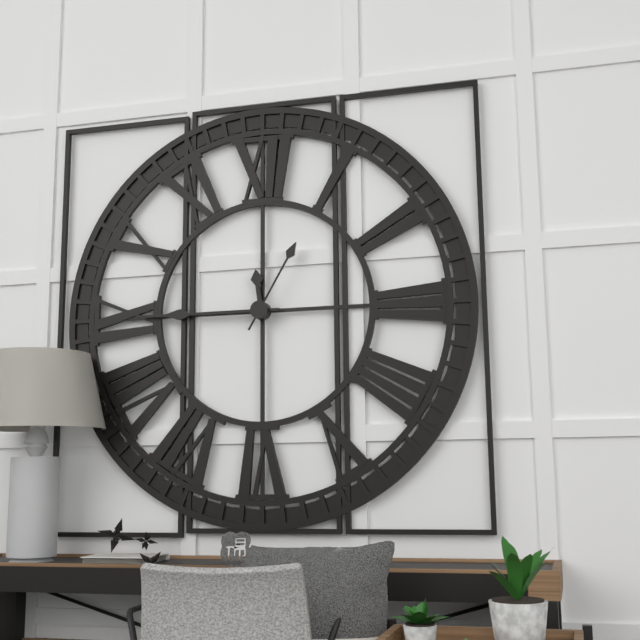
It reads 11:45:05
